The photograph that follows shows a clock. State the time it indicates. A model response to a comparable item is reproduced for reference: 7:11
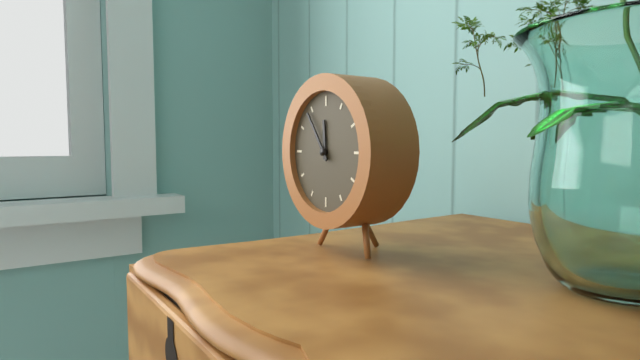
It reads 11:54
